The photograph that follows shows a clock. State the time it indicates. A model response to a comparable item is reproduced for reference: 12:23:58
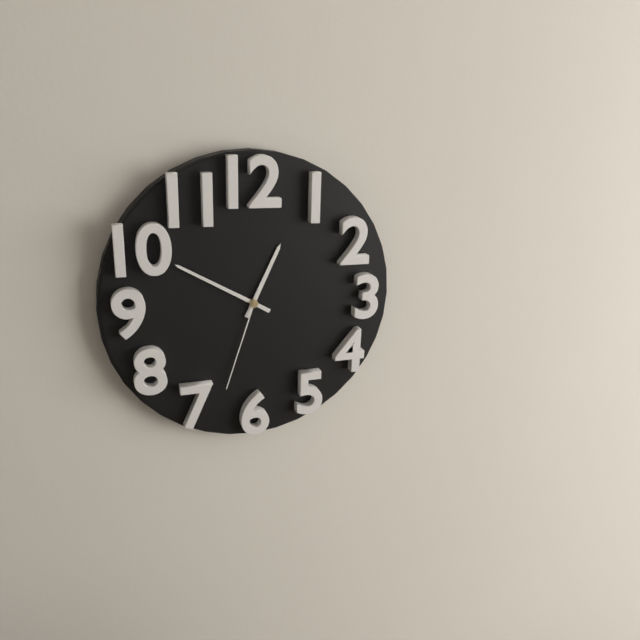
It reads 12:50:33
